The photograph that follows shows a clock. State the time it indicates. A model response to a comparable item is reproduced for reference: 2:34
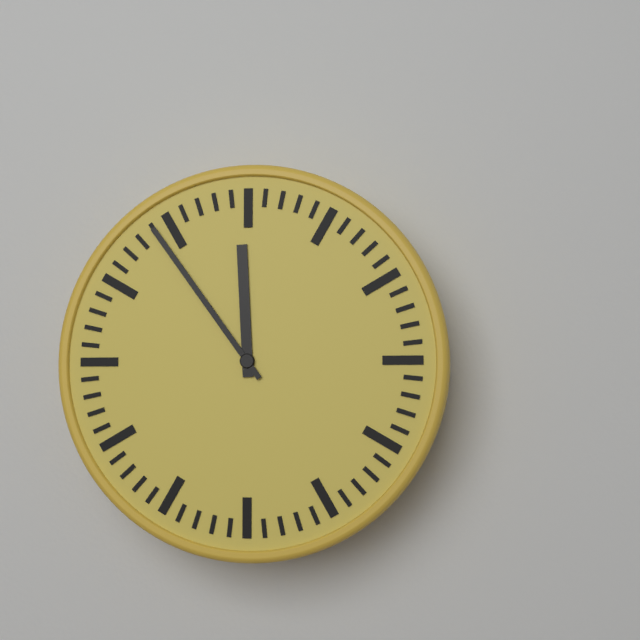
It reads 11:54
